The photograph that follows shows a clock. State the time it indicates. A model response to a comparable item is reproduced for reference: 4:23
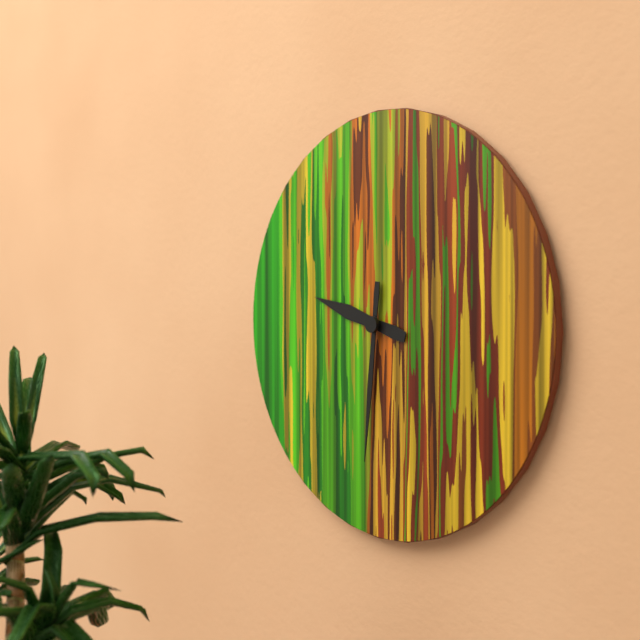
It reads 9:31
